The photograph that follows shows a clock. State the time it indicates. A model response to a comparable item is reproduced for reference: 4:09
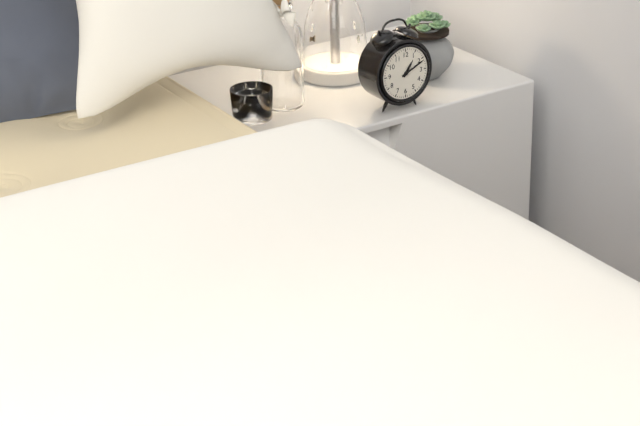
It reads 1:11
